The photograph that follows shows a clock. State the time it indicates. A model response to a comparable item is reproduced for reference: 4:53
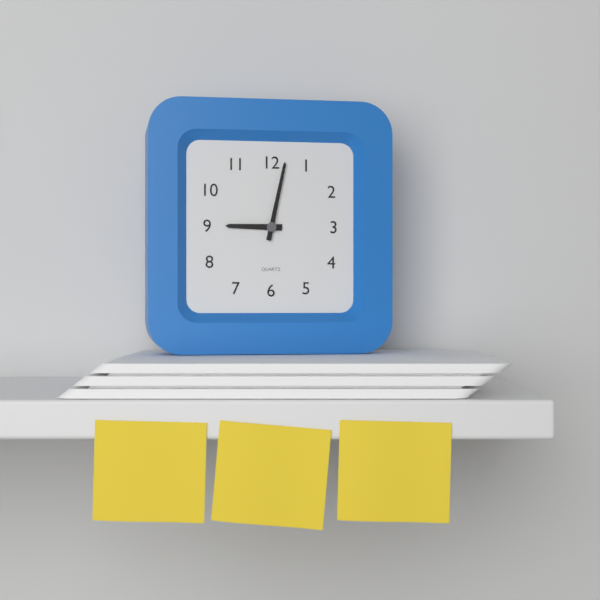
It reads 9:02
